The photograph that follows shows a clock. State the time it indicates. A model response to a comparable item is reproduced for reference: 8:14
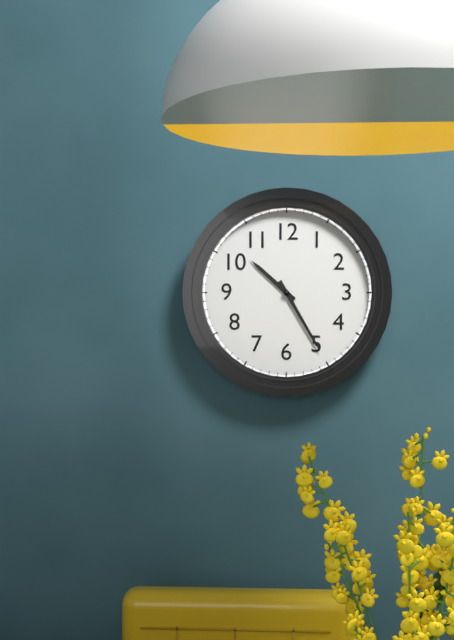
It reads 10:25
